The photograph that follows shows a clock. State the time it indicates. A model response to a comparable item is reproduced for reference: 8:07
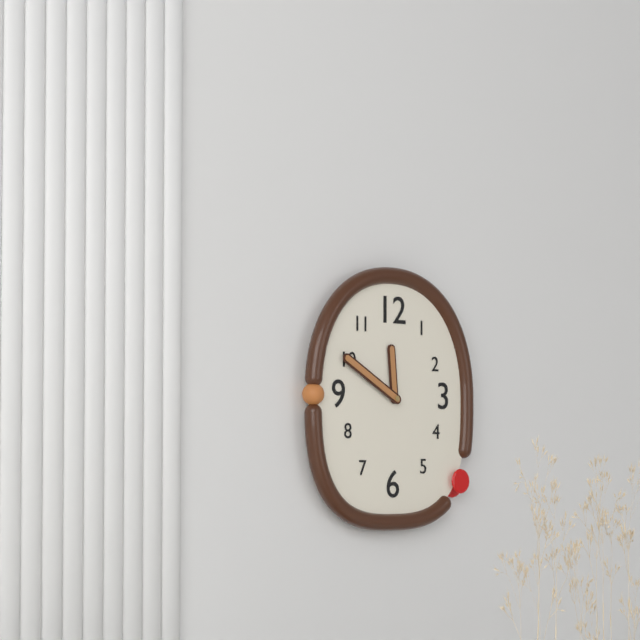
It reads 11:50
